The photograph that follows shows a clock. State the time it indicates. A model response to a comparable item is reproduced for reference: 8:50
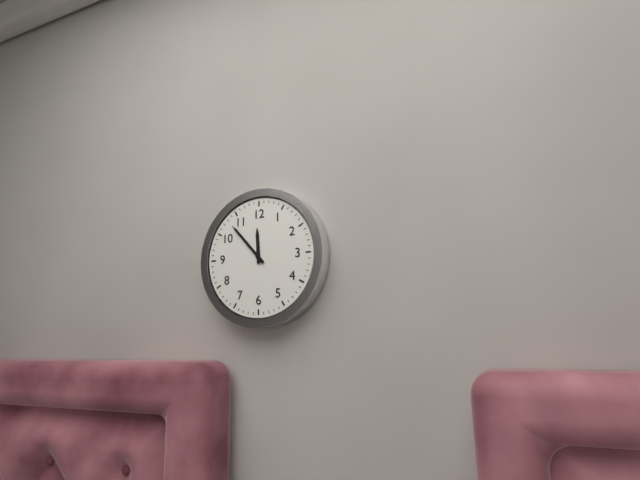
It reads 11:53
